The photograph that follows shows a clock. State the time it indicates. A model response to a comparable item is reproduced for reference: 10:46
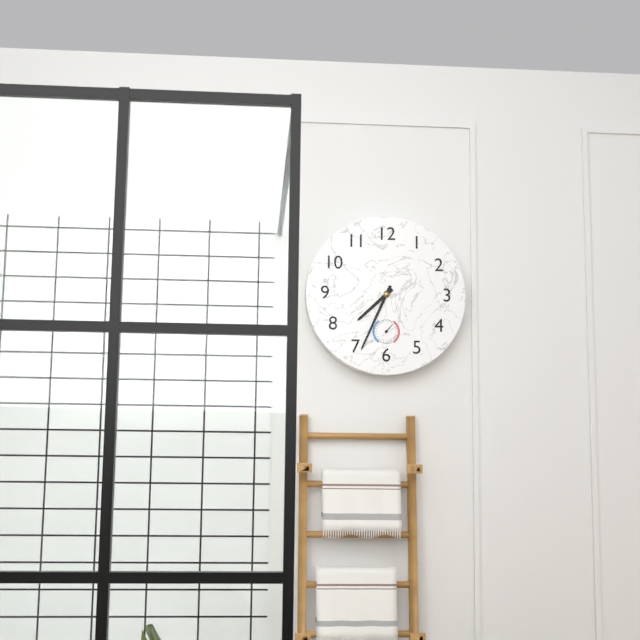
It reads 7:34
